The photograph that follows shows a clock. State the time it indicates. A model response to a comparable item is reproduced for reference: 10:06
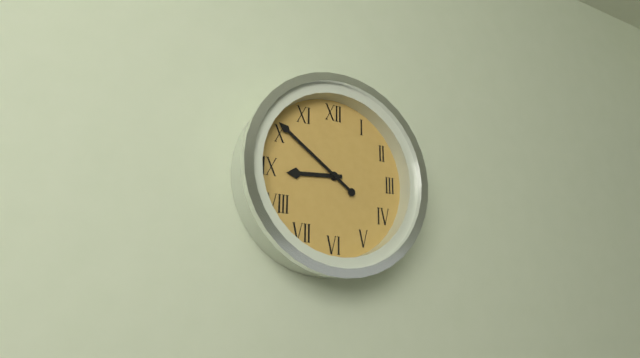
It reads 8:51
